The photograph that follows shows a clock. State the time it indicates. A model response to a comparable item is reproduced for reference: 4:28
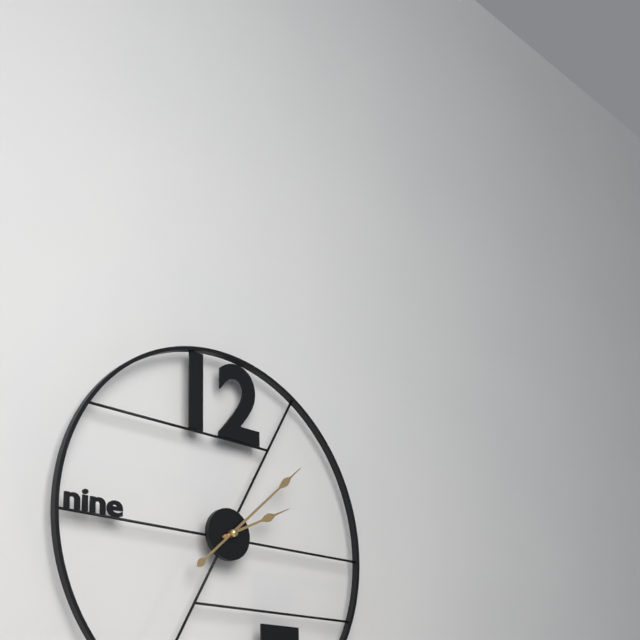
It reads 2:08
